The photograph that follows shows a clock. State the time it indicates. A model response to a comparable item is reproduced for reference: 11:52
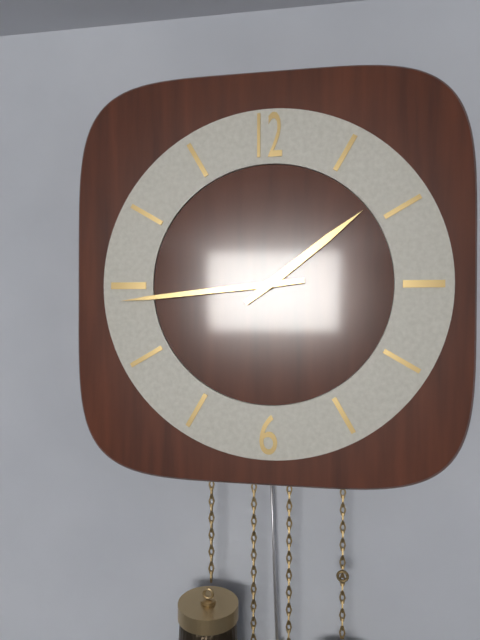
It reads 1:44
